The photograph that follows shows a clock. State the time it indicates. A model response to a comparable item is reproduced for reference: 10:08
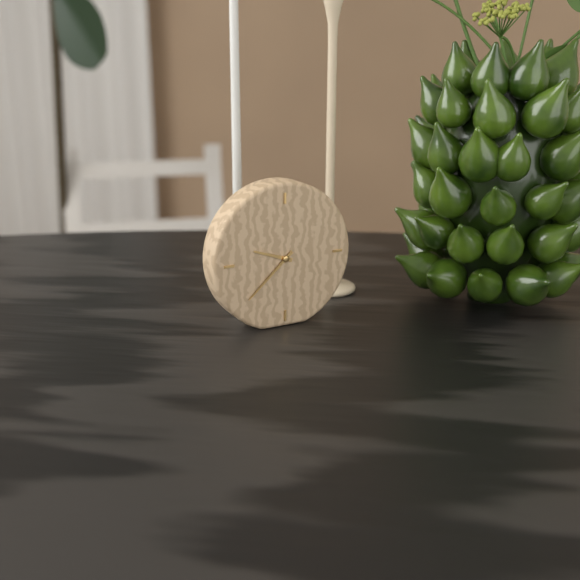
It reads 9:38
